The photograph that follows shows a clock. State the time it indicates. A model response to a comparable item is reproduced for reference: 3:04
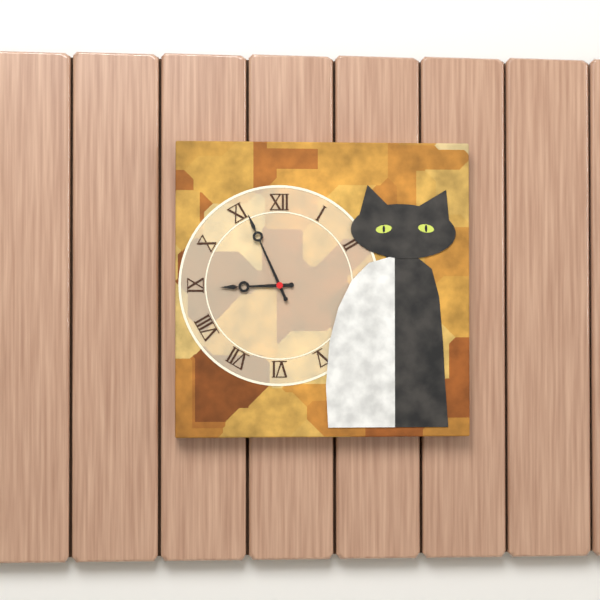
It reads 8:56
